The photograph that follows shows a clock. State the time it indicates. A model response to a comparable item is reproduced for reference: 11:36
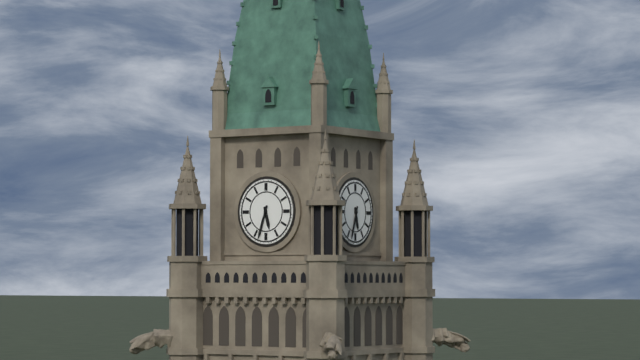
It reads 5:33
